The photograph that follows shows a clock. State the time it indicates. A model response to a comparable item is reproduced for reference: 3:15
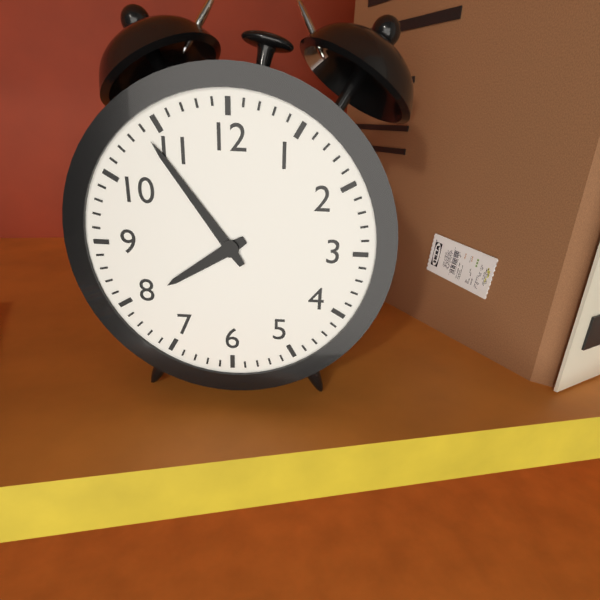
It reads 7:54
